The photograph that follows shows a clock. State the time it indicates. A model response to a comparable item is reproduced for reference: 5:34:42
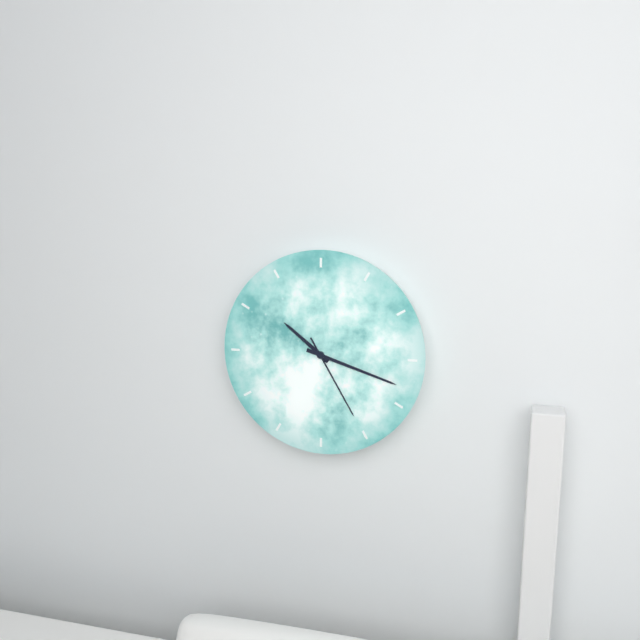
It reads 10:18:25
